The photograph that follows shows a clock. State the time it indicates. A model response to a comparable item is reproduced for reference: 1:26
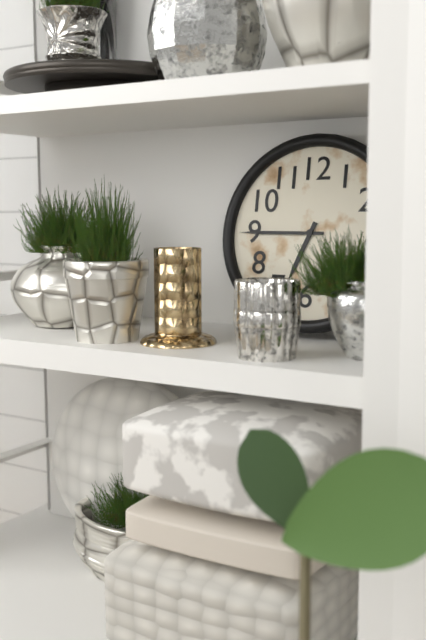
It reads 6:45
